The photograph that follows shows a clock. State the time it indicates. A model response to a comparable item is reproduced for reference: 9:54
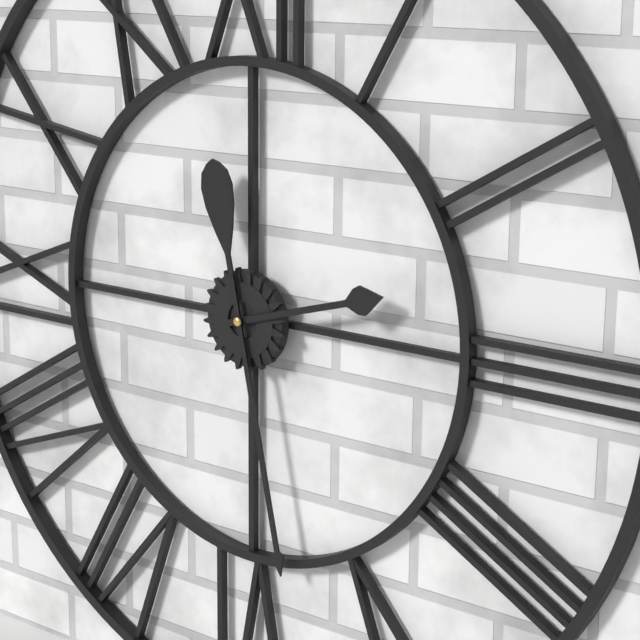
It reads 2:28
